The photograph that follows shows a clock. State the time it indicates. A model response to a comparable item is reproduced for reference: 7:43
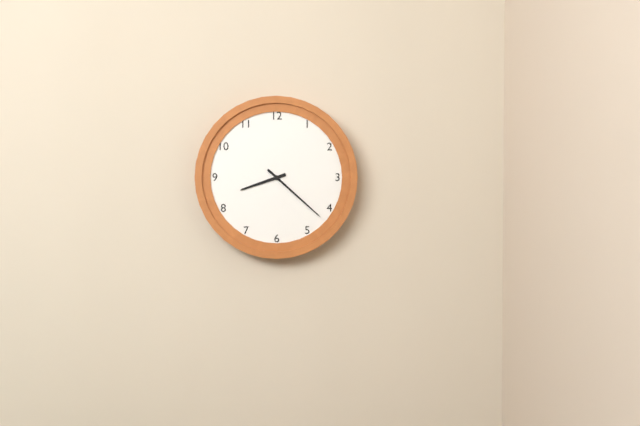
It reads 8:22
